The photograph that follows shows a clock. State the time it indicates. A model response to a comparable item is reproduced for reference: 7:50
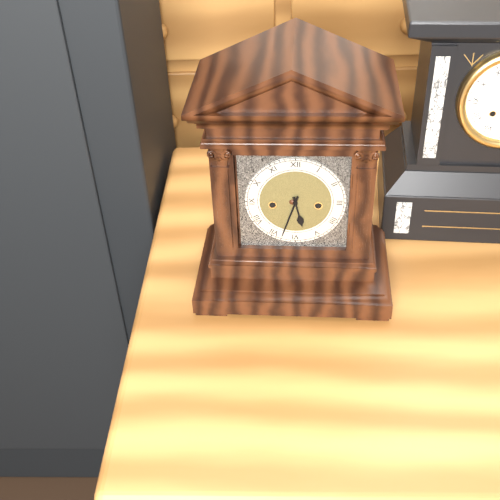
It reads 5:33
